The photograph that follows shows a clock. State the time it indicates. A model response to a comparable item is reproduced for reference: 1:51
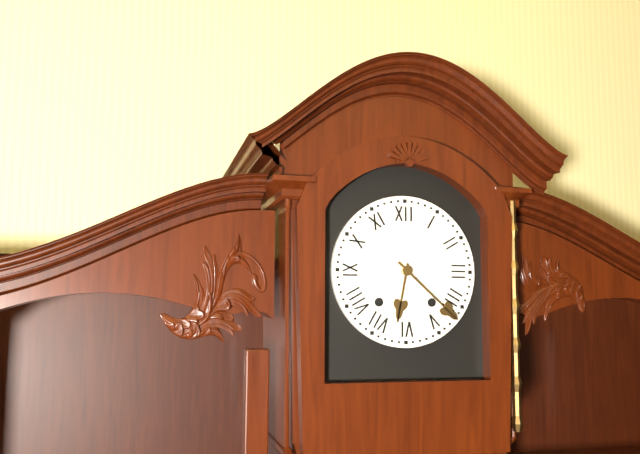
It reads 6:22
